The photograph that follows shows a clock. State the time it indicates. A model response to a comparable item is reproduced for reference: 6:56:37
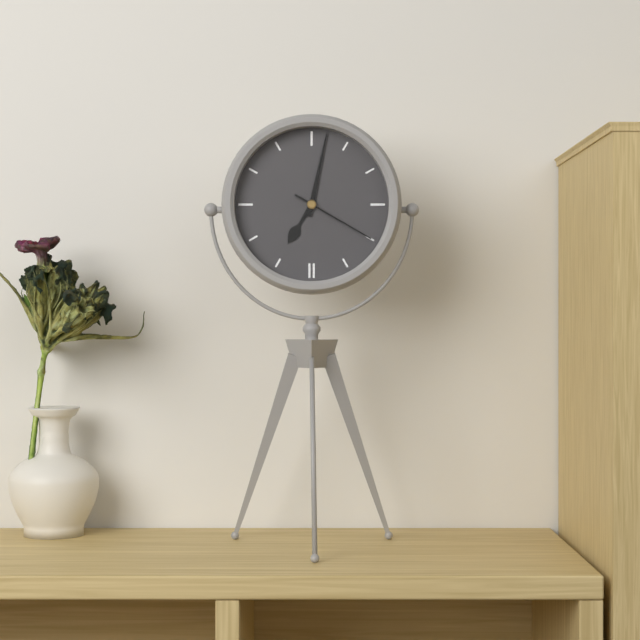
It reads 7:02:20
